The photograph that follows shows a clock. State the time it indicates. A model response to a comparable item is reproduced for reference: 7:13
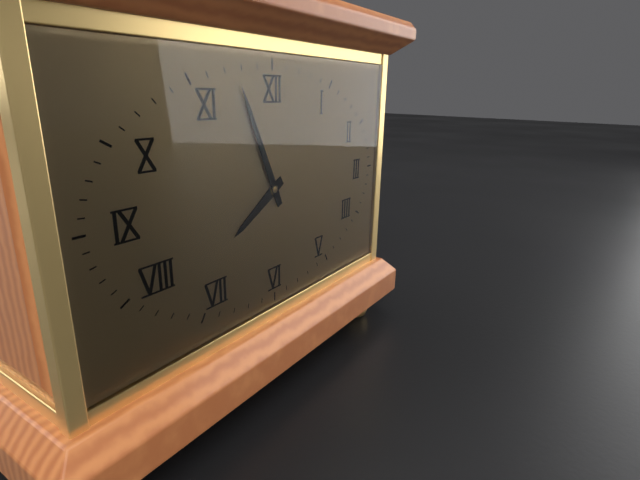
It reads 7:56
